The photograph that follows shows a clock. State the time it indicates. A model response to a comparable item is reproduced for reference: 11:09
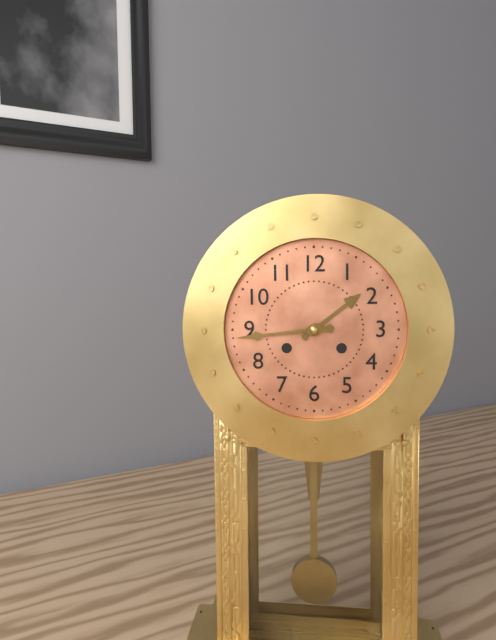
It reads 1:44
